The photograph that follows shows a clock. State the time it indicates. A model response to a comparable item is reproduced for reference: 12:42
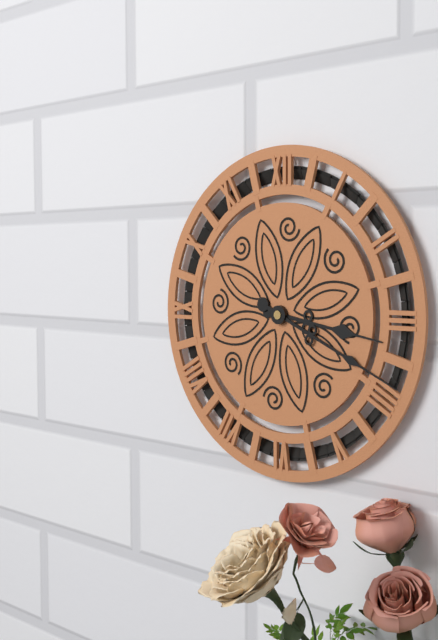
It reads 3:19
